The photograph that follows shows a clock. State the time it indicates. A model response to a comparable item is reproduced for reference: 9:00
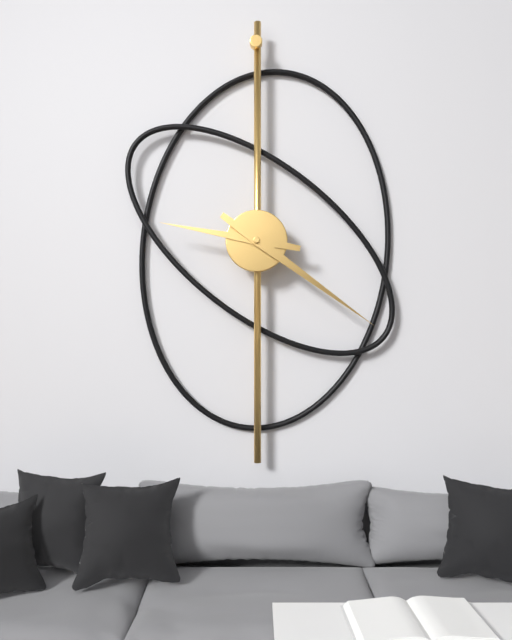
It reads 9:21
